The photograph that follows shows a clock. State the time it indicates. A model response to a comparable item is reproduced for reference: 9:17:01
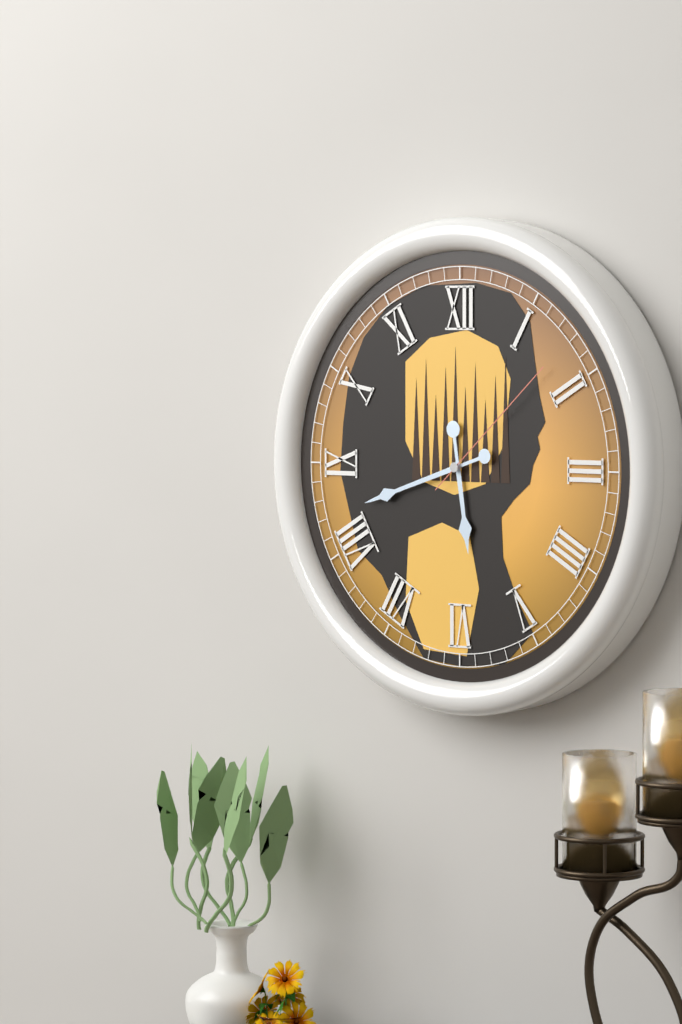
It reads 5:42:08
